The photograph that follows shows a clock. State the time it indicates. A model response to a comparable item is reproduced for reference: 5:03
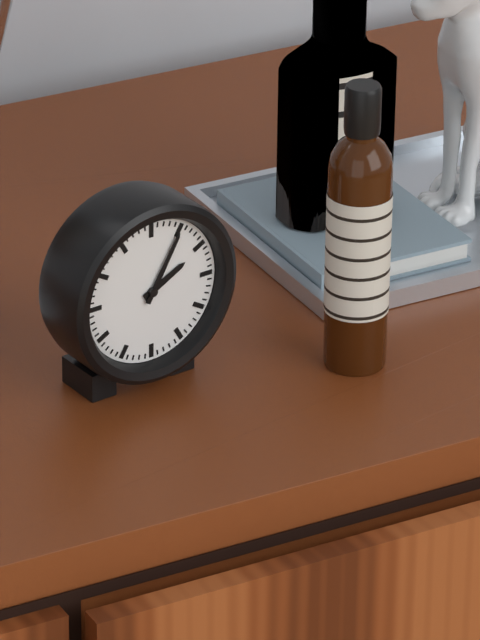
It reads 2:05
